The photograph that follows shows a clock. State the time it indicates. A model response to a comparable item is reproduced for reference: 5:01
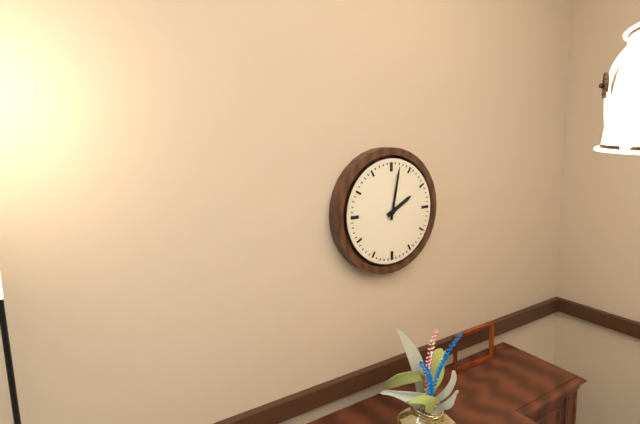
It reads 2:02
